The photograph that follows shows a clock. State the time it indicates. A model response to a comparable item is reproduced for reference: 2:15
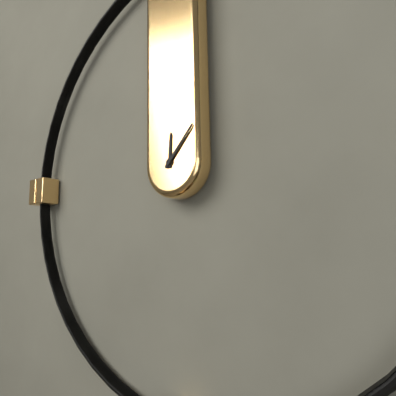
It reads 12:07
